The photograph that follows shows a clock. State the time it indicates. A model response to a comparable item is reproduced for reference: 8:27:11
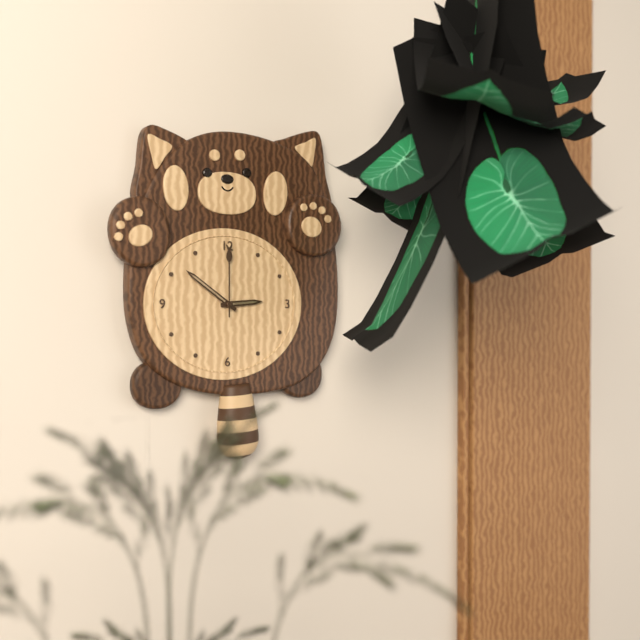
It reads 2:51:00
